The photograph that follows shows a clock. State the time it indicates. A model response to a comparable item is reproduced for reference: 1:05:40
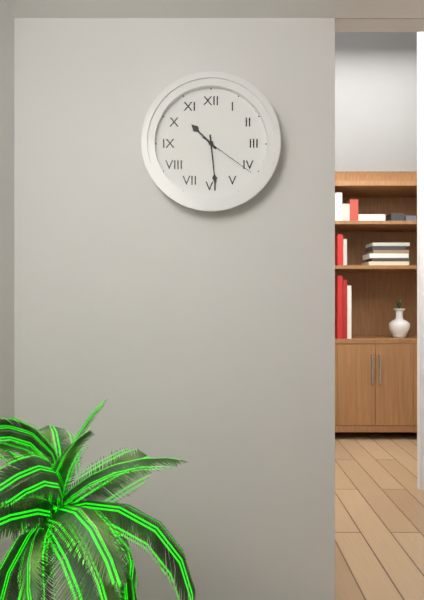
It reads 10:29:21
